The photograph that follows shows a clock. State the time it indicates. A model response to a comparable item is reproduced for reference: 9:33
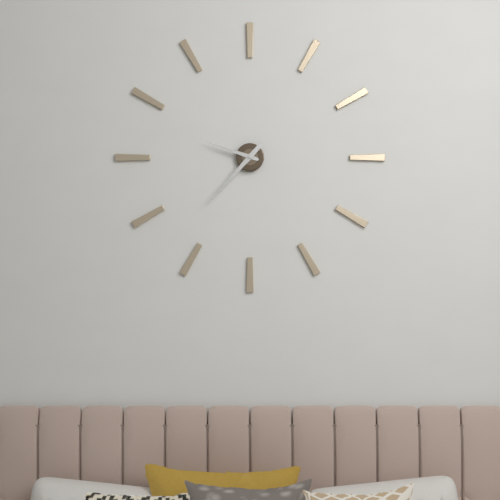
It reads 9:37
